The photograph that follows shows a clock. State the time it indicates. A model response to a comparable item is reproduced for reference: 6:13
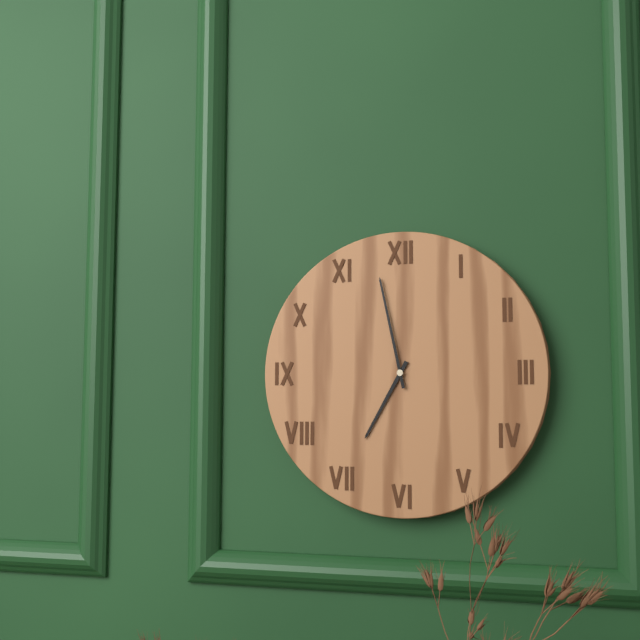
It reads 6:58
